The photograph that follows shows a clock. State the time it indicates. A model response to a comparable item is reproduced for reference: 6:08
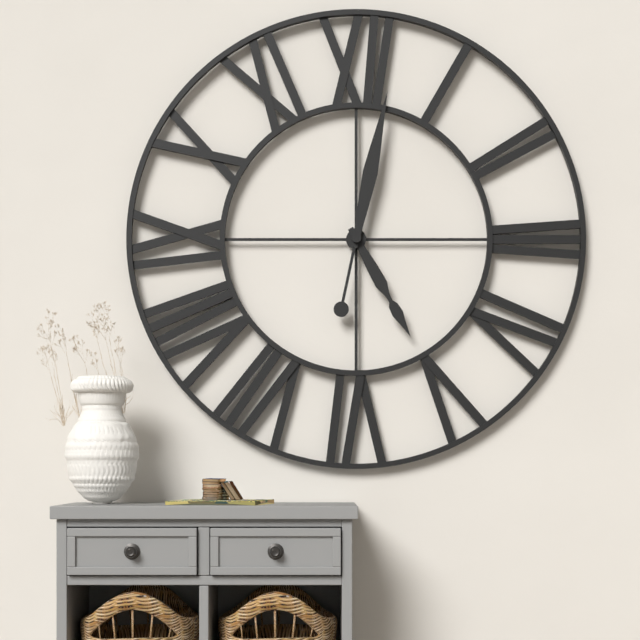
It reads 5:02
